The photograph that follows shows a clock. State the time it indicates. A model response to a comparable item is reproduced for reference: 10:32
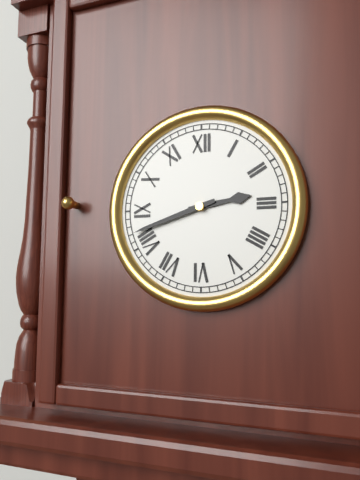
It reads 2:42
